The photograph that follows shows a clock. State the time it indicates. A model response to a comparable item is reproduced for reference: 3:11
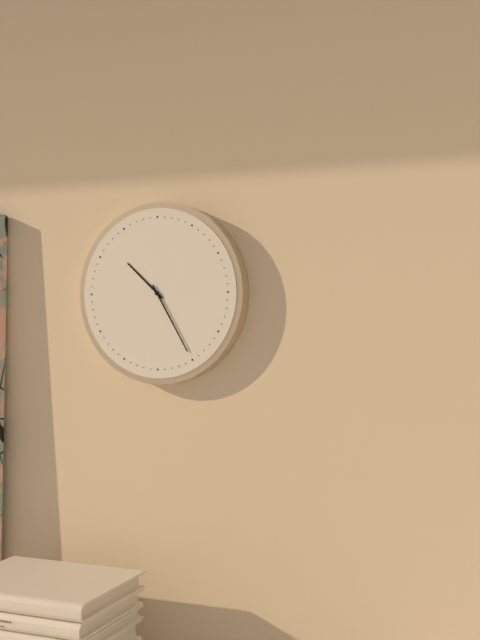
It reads 10:25
